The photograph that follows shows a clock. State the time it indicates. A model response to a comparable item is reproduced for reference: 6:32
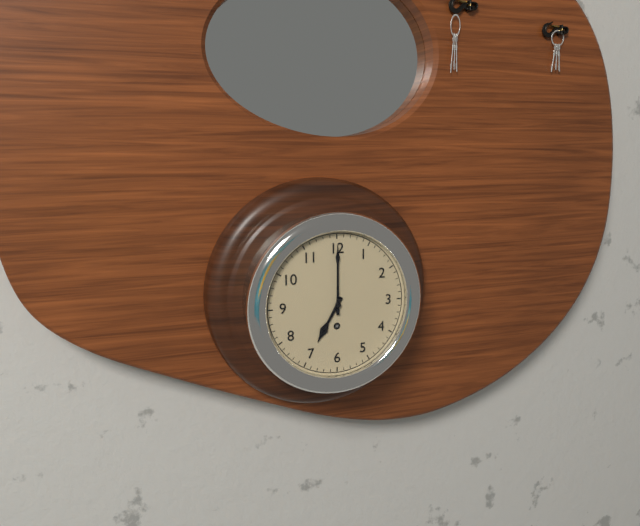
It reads 7:00
